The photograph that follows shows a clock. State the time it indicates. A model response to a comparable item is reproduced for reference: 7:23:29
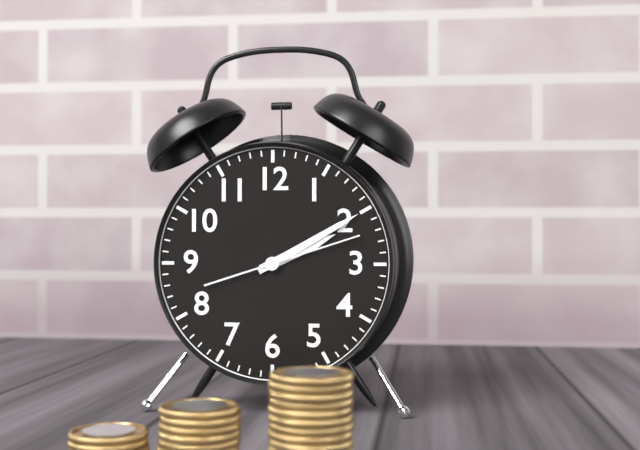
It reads 2:10:12
